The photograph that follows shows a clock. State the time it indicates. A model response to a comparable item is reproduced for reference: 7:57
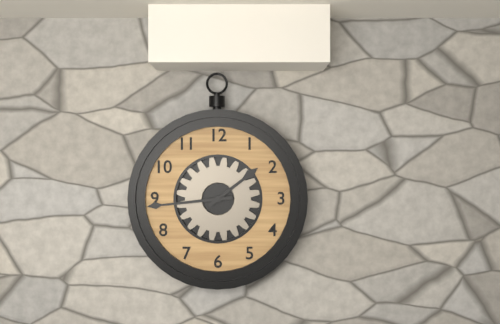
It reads 1:44
